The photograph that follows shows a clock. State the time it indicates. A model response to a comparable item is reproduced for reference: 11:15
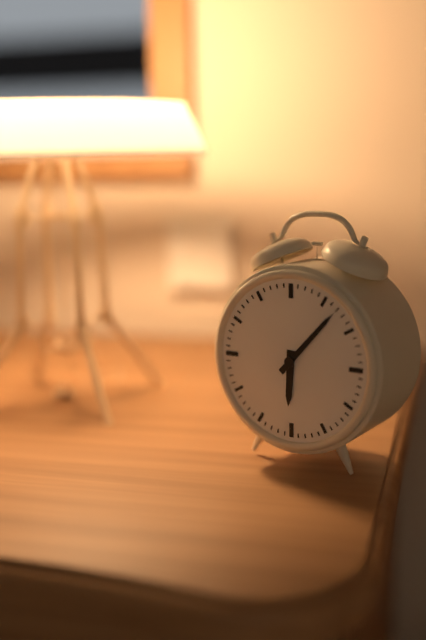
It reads 6:07
